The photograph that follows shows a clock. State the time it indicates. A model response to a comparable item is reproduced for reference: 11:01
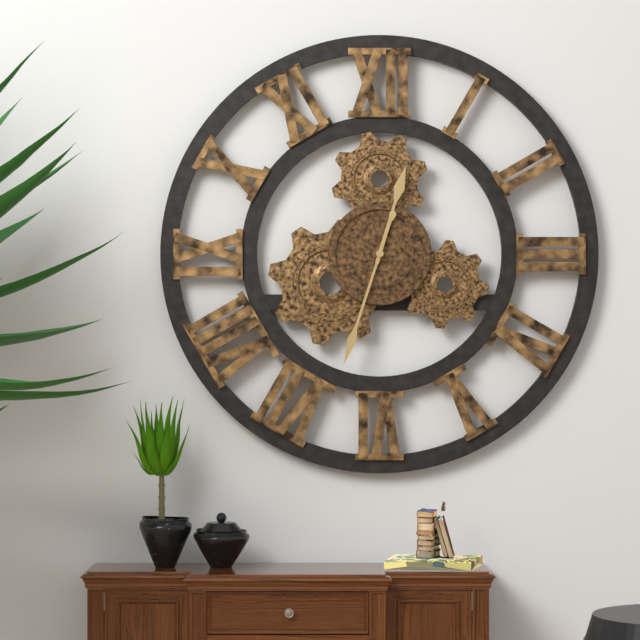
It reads 12:33
